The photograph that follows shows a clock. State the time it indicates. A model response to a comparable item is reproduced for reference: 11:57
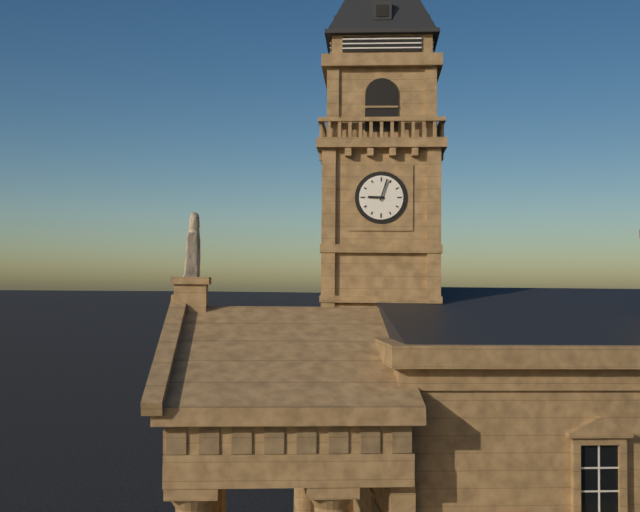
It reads 9:03
